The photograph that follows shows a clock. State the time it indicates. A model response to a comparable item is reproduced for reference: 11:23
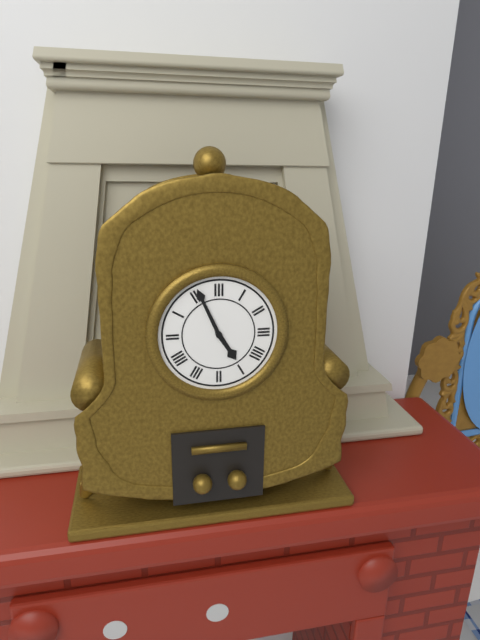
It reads 4:56
